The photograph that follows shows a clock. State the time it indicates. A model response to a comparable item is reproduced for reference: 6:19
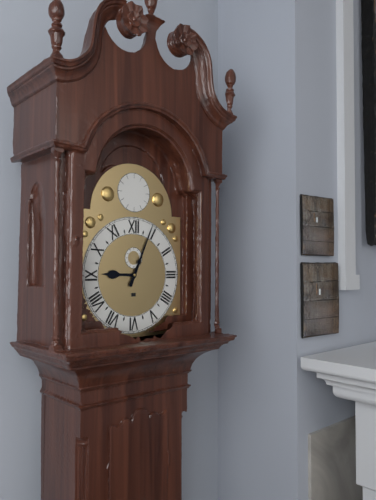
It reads 9:04
